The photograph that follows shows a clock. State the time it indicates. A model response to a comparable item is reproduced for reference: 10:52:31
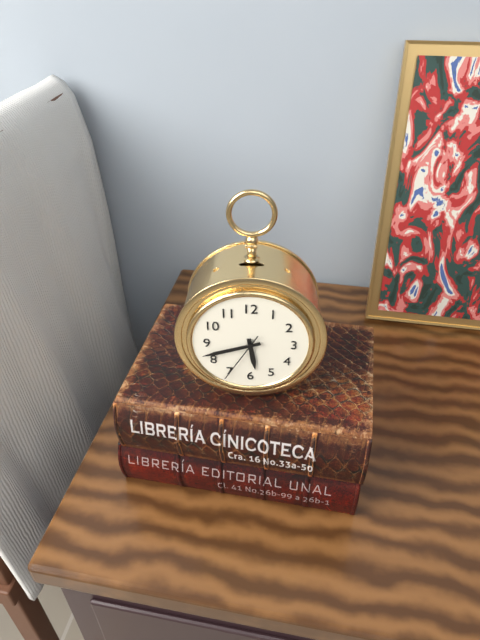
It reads 5:42:35
